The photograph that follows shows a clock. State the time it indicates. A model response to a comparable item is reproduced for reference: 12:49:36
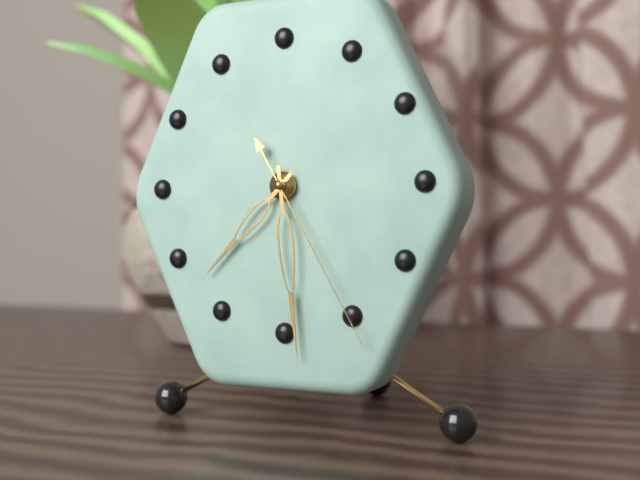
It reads 7:29:25
